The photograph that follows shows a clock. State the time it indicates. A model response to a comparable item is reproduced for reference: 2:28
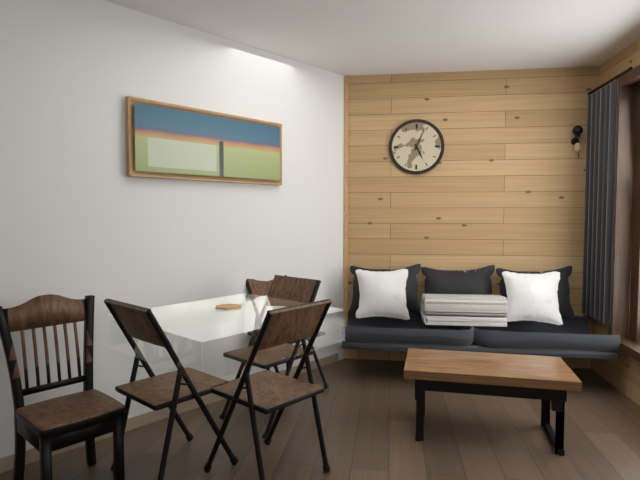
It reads 5:04
